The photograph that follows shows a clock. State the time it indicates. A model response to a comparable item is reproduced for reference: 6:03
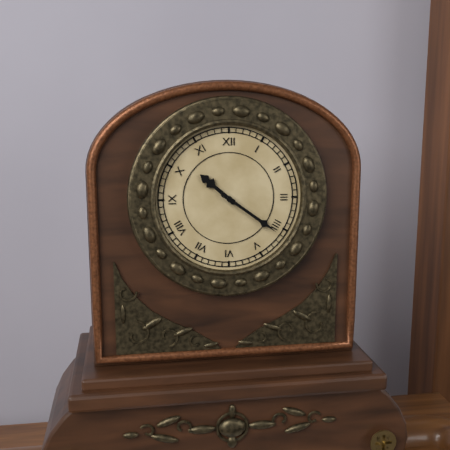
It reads 10:21
